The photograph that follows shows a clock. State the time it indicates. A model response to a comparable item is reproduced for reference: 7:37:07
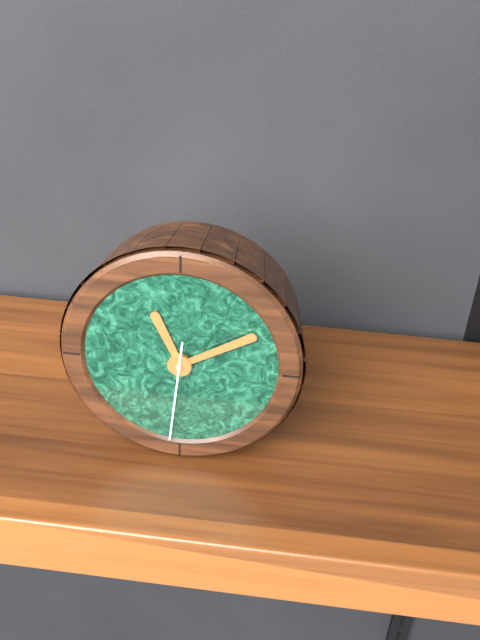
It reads 11:10:31
